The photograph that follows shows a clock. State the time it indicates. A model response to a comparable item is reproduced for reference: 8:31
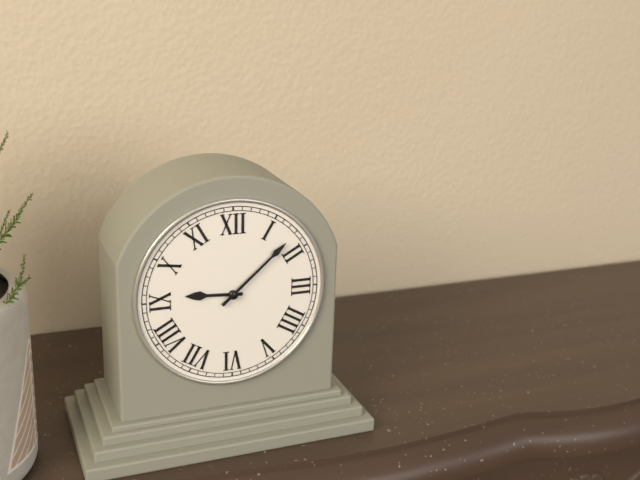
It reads 9:08
